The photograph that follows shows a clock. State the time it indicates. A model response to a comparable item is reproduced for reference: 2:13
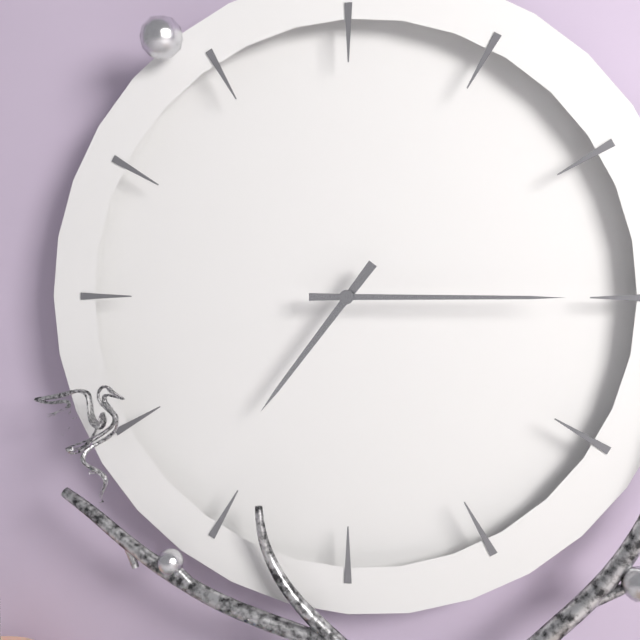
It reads 7:15
